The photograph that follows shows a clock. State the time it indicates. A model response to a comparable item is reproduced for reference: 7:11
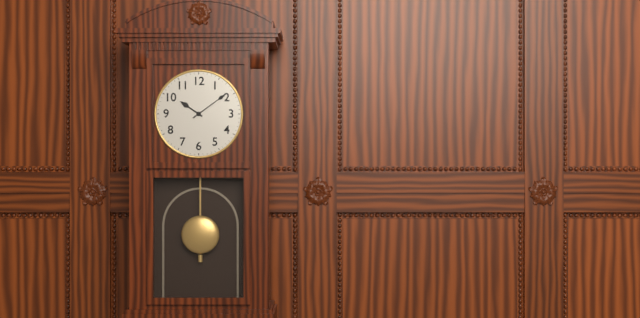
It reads 10:09
